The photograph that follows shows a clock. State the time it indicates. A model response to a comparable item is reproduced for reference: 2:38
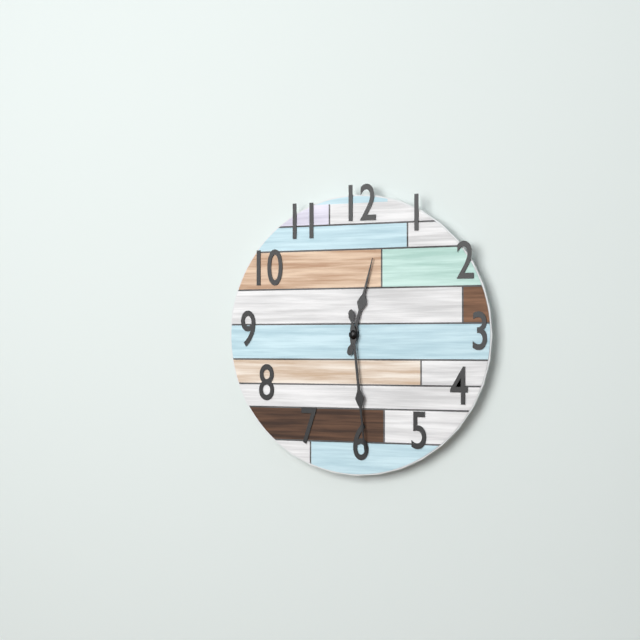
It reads 12:29
